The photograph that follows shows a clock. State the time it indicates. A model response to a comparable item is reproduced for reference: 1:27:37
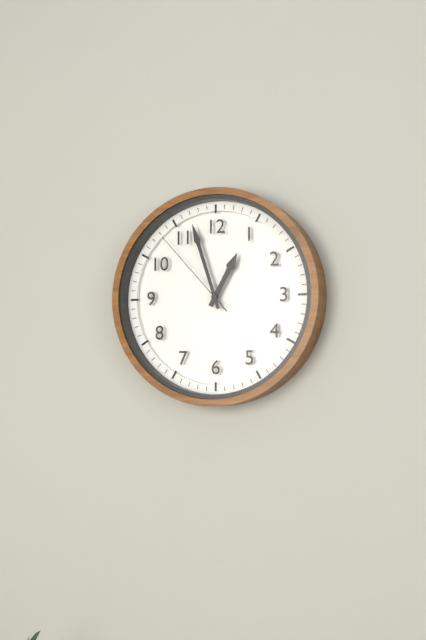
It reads 12:57:53
